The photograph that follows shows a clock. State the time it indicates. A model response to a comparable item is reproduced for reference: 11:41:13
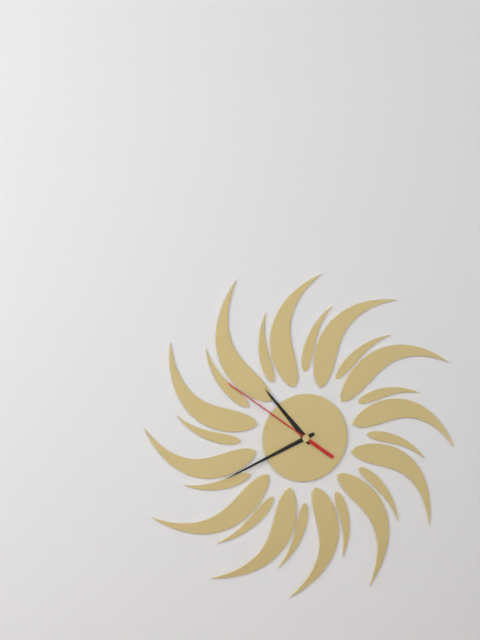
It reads 10:41:51
